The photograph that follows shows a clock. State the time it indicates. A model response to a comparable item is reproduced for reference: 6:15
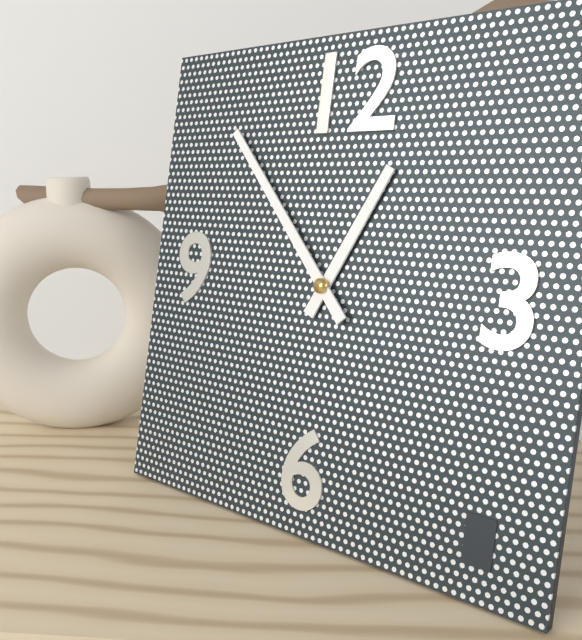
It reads 12:53
